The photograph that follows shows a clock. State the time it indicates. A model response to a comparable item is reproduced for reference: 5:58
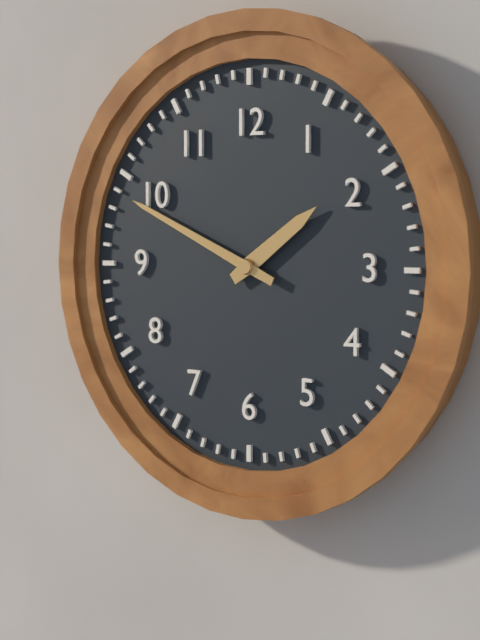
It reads 1:49
